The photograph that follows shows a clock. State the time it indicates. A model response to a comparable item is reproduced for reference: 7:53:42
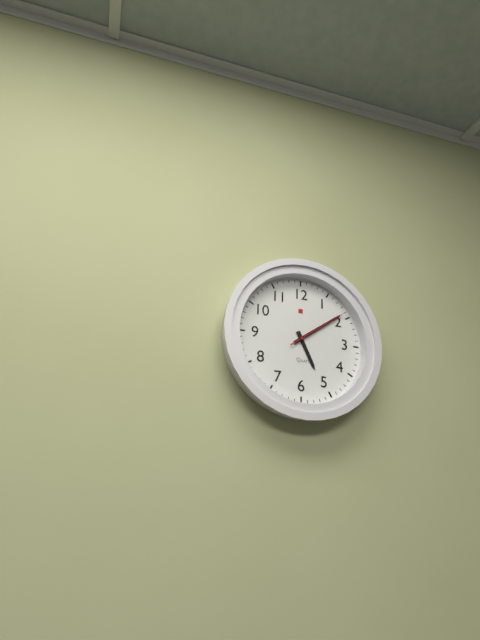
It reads 5:09:09
